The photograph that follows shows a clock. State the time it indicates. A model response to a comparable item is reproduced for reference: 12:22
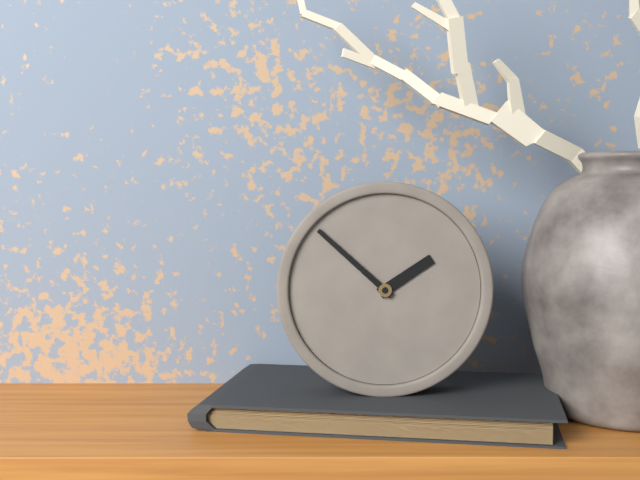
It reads 1:52
